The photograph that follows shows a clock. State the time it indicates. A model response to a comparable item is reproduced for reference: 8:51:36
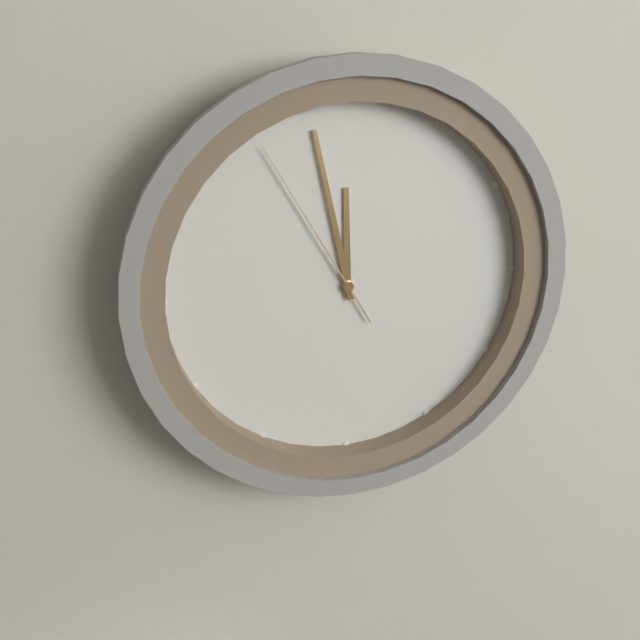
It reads 11:58:55
